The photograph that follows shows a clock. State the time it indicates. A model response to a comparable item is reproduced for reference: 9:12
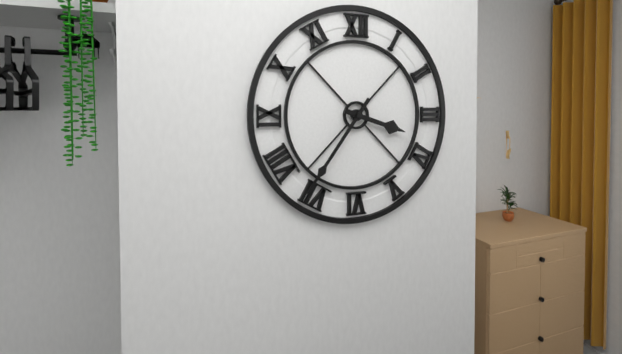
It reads 3:36
